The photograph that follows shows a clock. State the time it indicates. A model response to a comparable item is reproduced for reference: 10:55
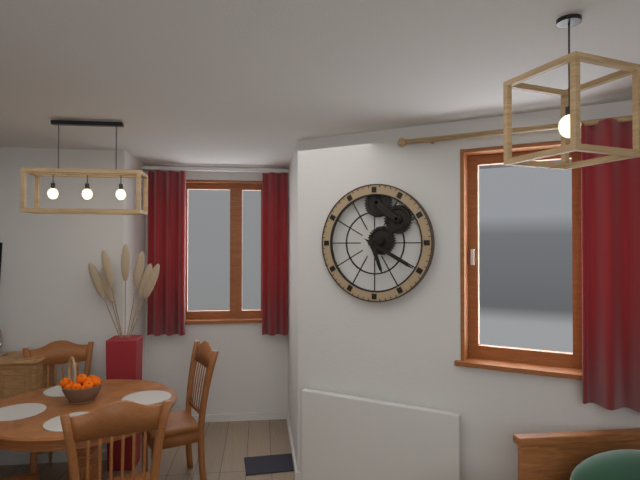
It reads 5:20
